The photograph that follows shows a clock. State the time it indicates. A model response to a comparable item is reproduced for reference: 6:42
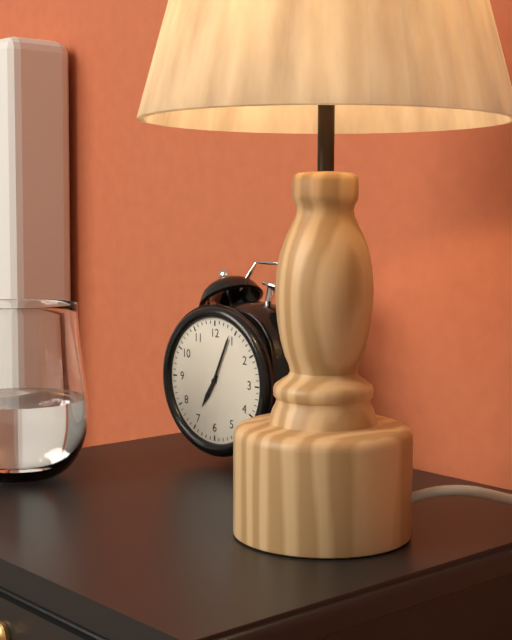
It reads 7:04
